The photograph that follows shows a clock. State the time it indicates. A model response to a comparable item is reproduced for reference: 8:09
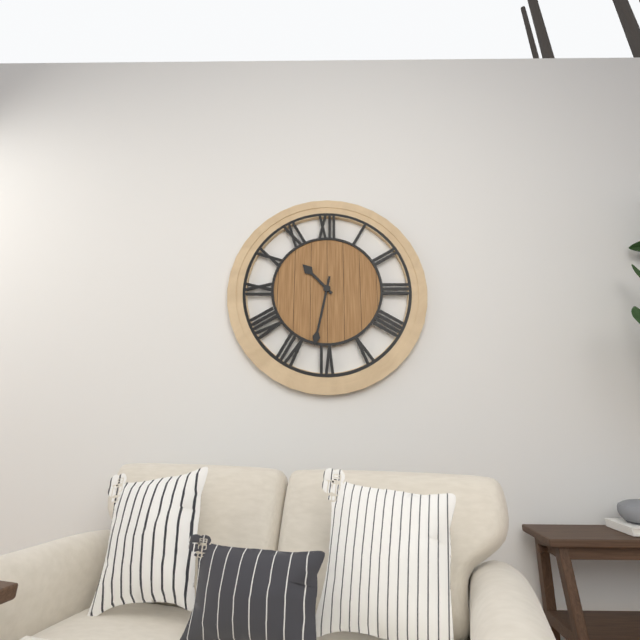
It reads 10:32
